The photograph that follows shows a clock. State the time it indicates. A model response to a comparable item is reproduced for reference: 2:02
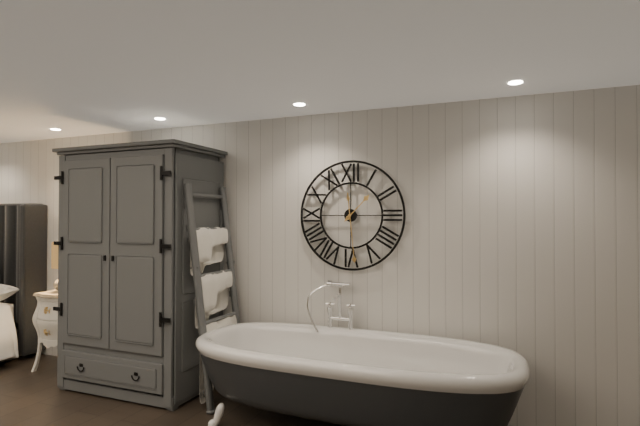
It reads 1:29
